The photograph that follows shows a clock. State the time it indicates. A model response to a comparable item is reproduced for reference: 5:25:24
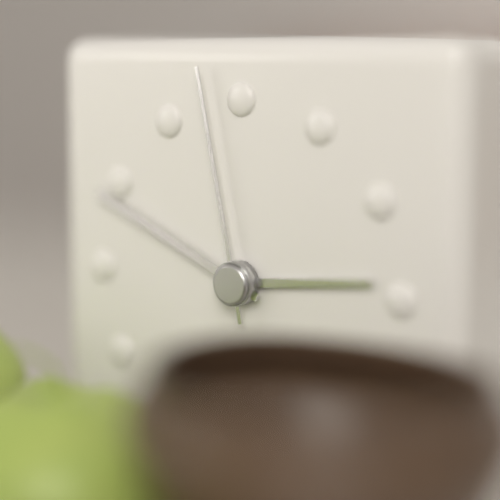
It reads 2:49:58
